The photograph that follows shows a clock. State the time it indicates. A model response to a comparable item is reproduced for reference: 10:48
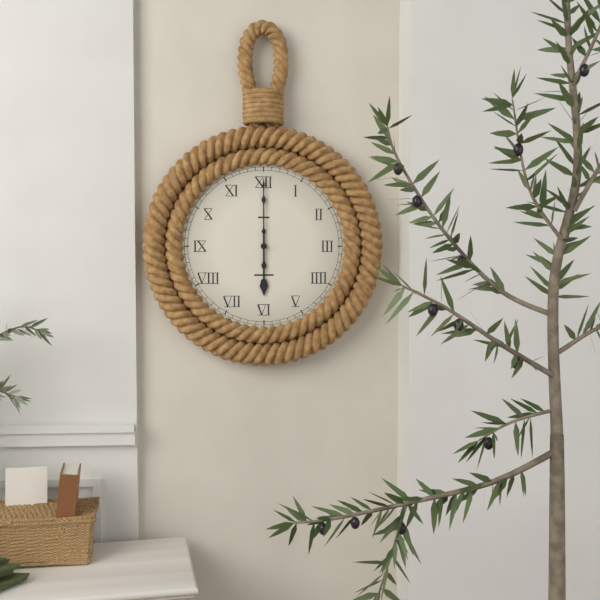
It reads 6:00
